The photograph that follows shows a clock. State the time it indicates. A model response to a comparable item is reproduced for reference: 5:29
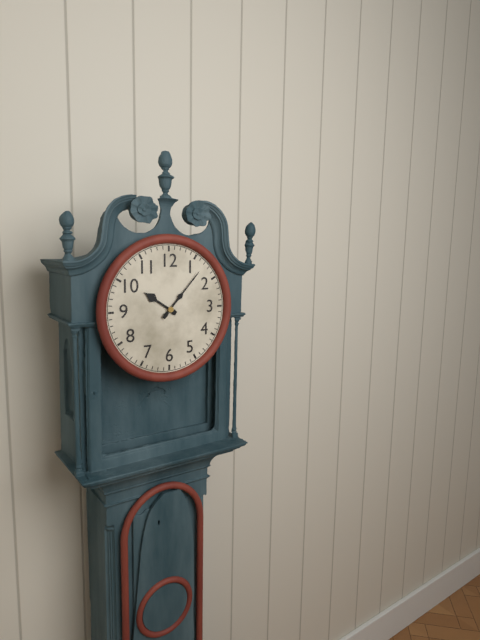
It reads 10:07
